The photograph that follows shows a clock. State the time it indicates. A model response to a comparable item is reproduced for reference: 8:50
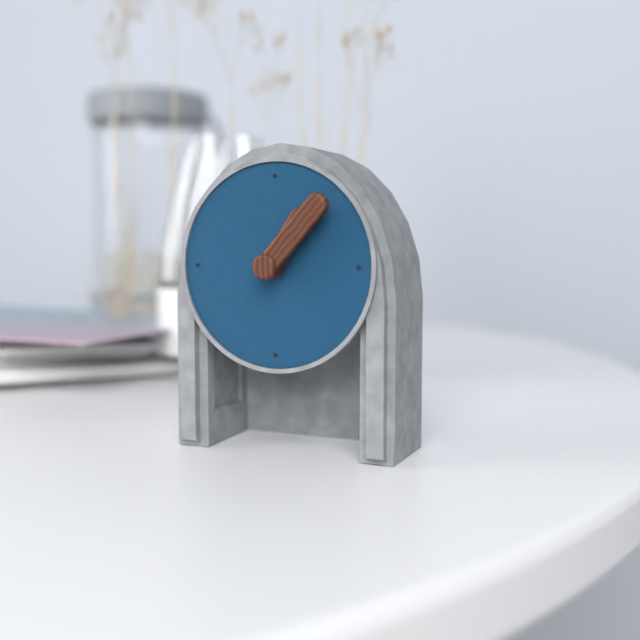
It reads 1:07
